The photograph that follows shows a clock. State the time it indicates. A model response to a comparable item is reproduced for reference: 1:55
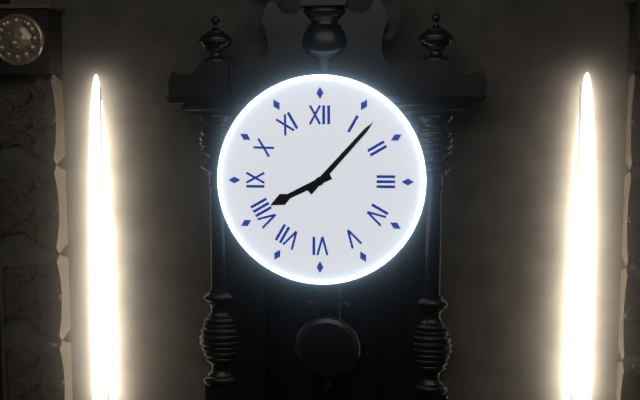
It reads 8:07
